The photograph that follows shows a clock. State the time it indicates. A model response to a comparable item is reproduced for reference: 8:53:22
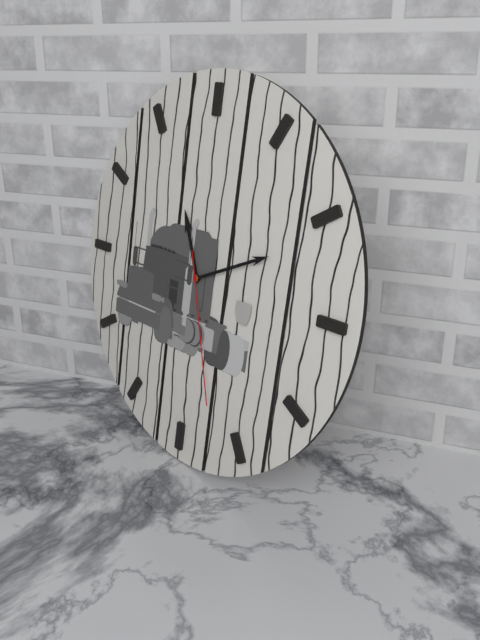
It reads 11:11:27
